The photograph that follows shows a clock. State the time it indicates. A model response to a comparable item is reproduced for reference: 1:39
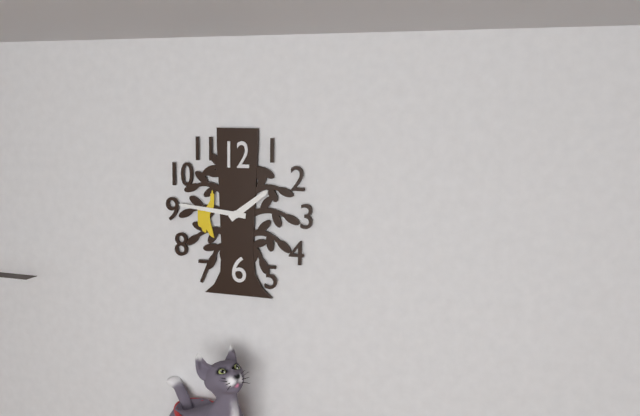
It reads 1:46
